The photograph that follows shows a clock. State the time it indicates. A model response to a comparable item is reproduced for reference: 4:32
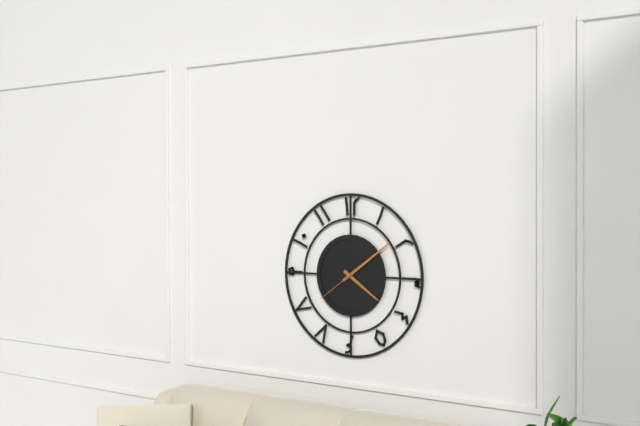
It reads 4:09
